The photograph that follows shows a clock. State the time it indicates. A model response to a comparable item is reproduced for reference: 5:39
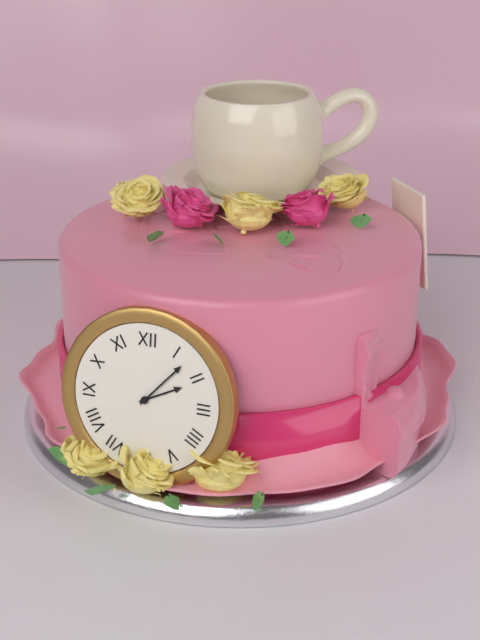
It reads 2:07
